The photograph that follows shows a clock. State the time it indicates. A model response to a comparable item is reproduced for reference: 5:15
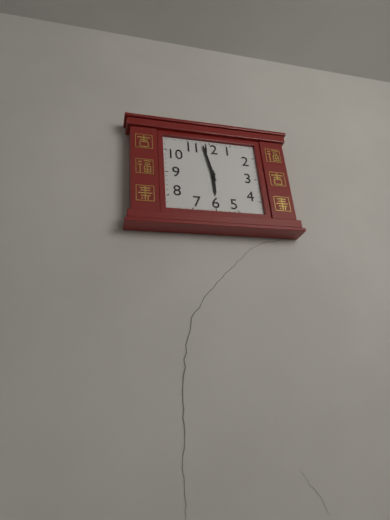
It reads 5:58
